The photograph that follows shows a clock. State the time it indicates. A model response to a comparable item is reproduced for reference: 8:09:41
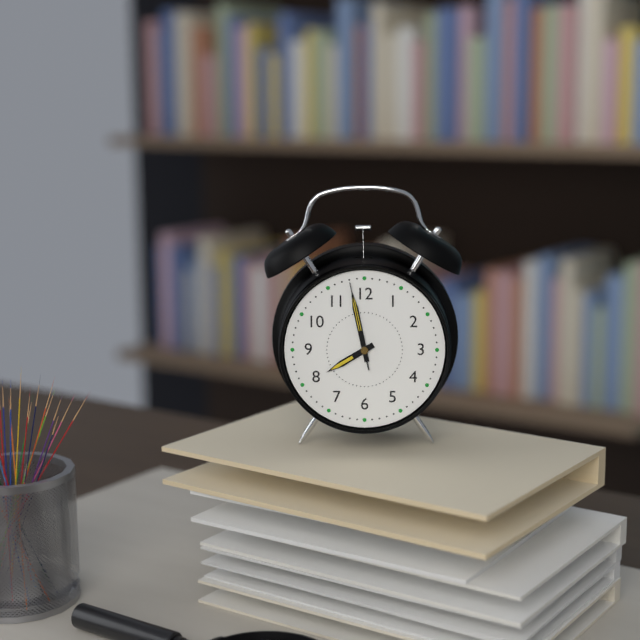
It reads 7:58:58
